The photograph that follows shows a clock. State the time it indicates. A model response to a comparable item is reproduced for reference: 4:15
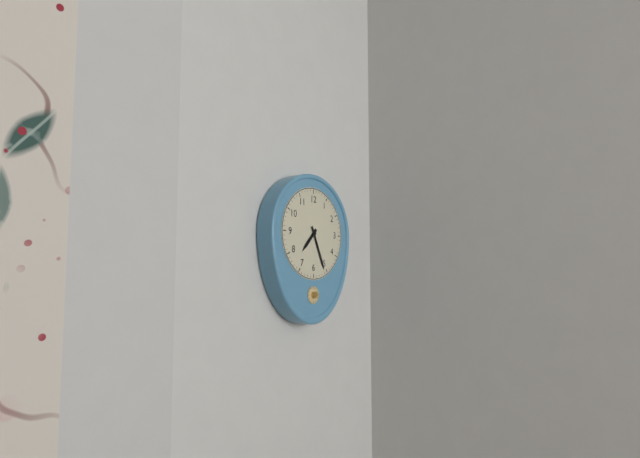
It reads 7:26
